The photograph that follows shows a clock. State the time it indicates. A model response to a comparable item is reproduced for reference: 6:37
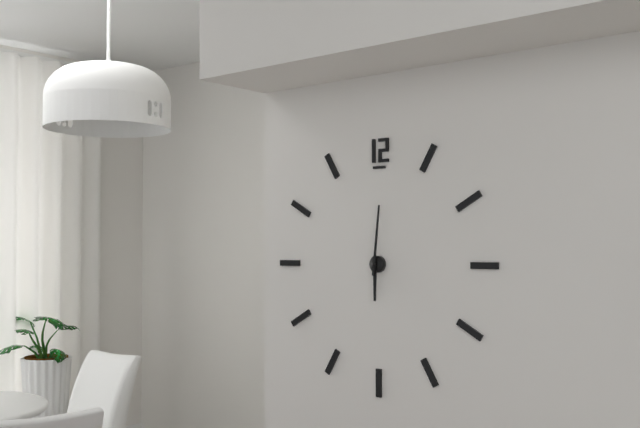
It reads 6:01
